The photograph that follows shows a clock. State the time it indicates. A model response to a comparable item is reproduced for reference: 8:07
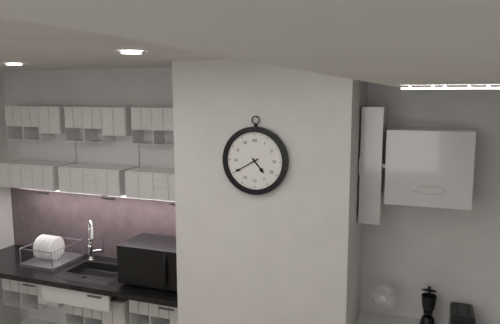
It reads 4:40
